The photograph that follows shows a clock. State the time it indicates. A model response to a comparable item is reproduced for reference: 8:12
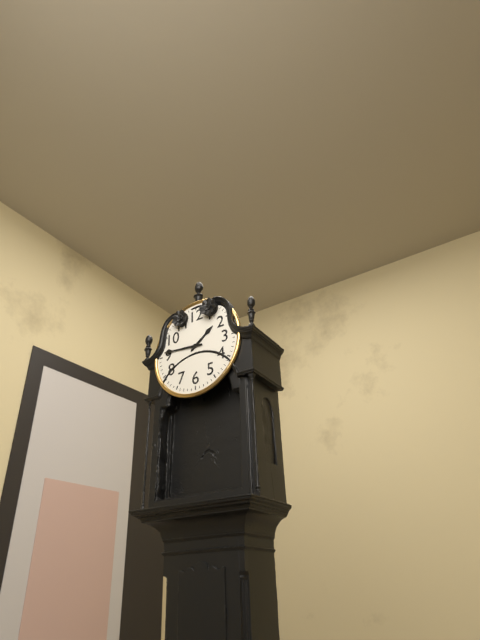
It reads 1:46
